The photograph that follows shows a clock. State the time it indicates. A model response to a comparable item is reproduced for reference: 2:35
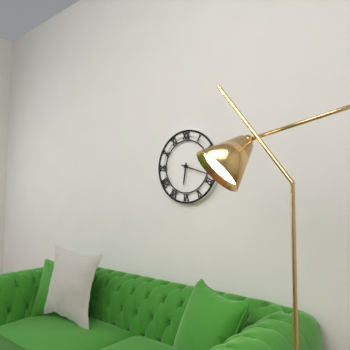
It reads 6:18
